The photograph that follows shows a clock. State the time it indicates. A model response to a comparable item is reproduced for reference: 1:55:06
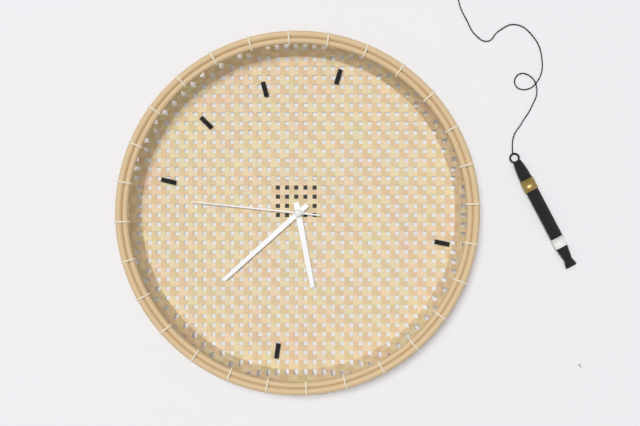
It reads 5:38:46
